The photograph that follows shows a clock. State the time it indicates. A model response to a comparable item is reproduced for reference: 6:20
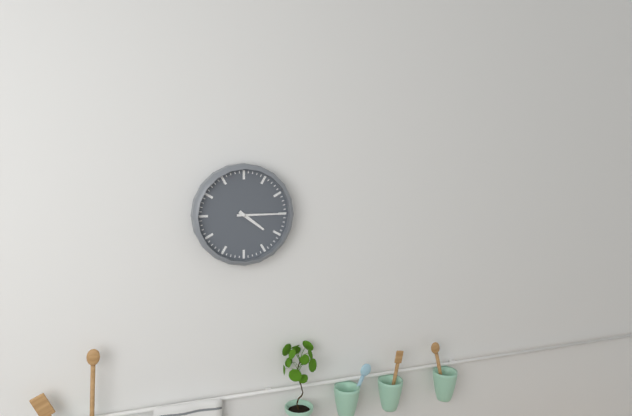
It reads 4:15
